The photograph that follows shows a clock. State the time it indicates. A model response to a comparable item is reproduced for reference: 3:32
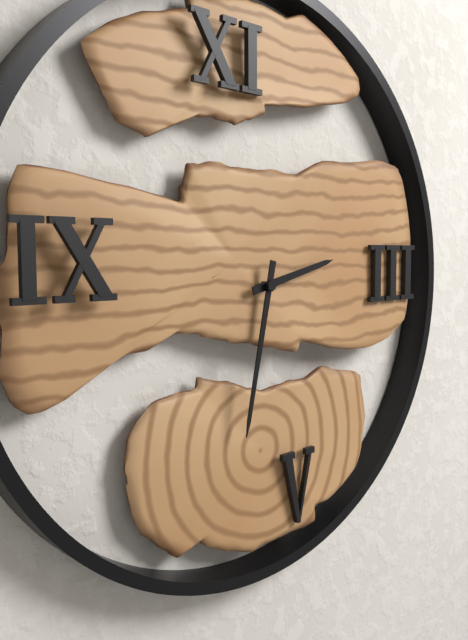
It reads 2:32
